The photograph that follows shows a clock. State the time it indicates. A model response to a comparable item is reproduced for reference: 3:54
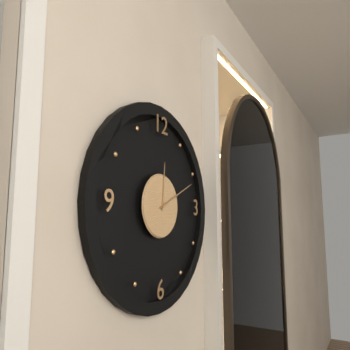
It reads 12:11
